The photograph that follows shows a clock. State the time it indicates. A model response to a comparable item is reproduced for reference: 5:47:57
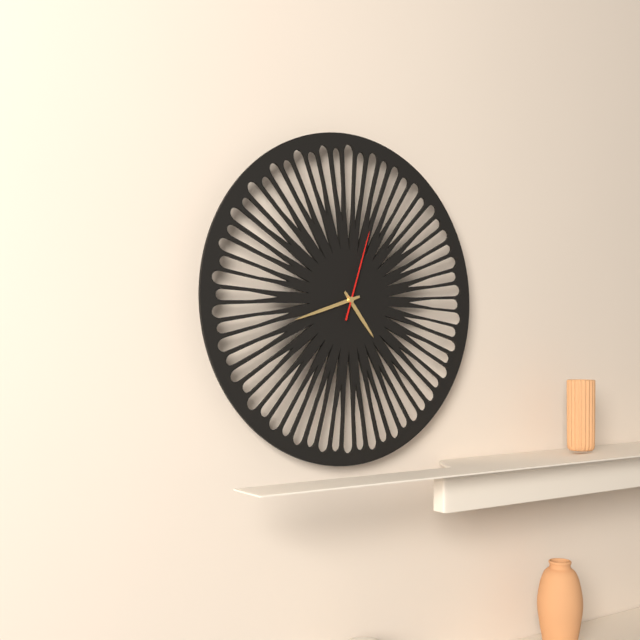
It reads 4:42:03
